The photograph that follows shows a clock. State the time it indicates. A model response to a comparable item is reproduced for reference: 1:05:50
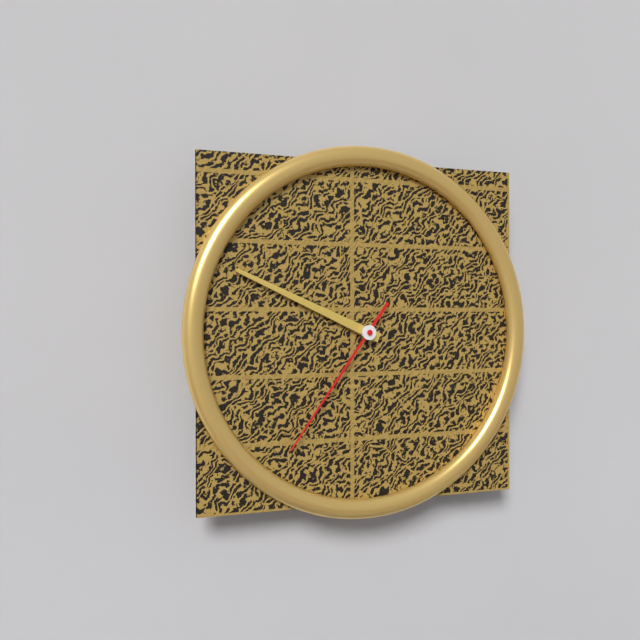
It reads 9:49:36
